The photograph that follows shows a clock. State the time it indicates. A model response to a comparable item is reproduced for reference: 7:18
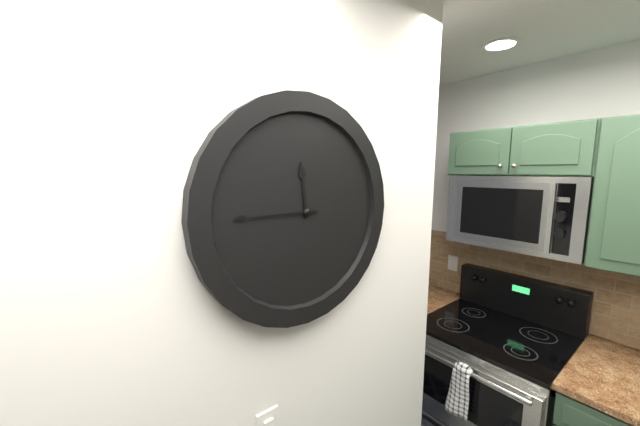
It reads 11:45
